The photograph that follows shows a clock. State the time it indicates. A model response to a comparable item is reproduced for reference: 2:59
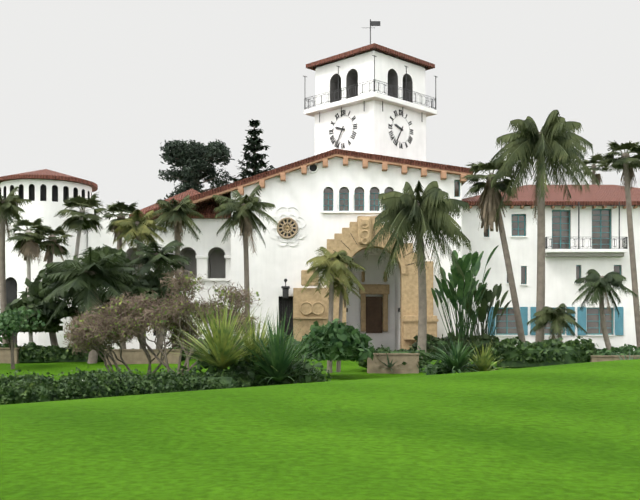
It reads 9:35
